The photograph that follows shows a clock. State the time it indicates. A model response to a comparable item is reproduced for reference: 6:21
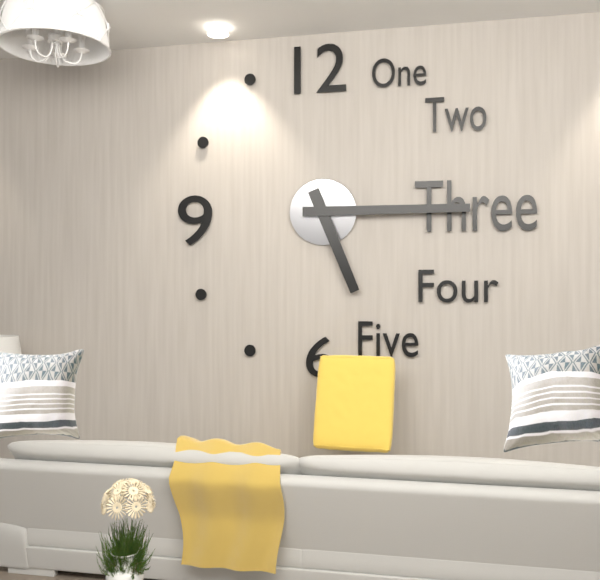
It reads 5:15
